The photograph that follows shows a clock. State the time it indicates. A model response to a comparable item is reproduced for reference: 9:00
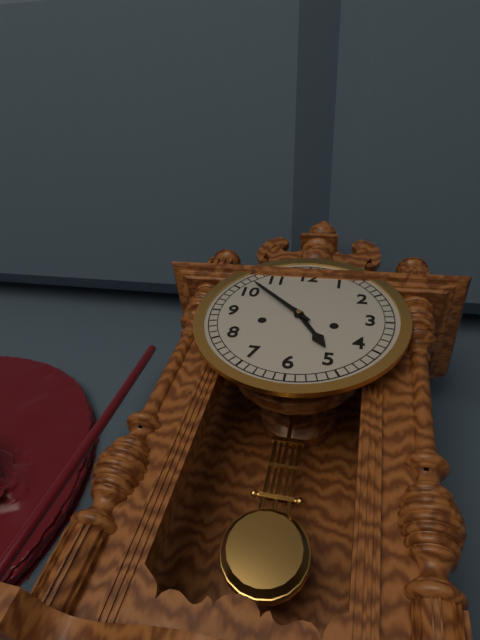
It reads 4:52
